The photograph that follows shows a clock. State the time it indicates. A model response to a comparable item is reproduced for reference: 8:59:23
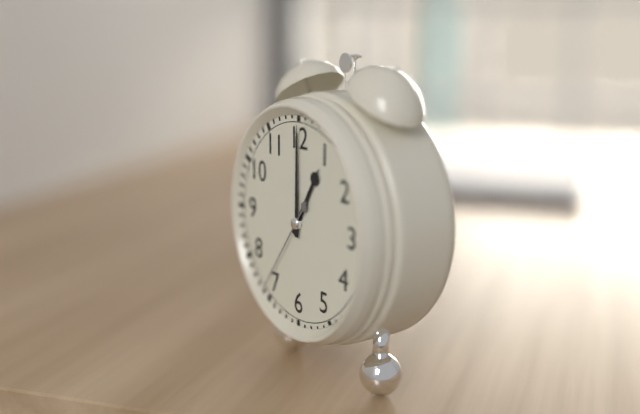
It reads 1:00:36
